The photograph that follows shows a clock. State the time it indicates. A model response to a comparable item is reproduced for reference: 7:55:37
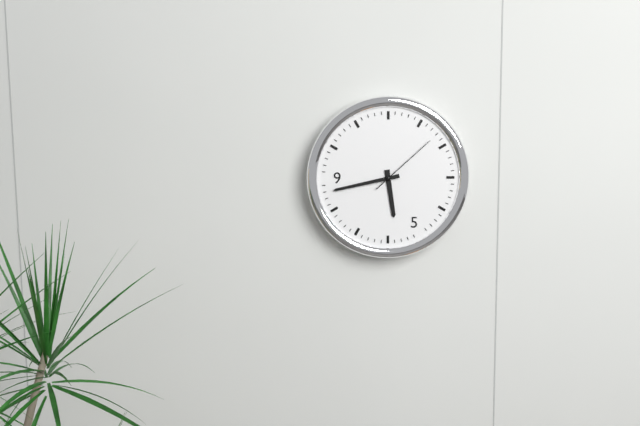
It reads 5:43:08
